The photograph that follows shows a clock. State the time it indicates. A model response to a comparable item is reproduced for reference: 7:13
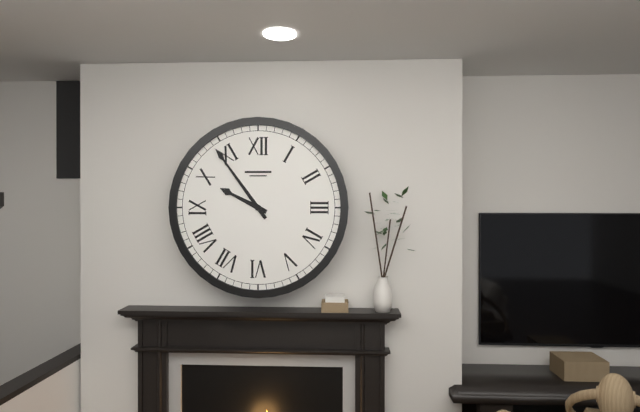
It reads 9:54
